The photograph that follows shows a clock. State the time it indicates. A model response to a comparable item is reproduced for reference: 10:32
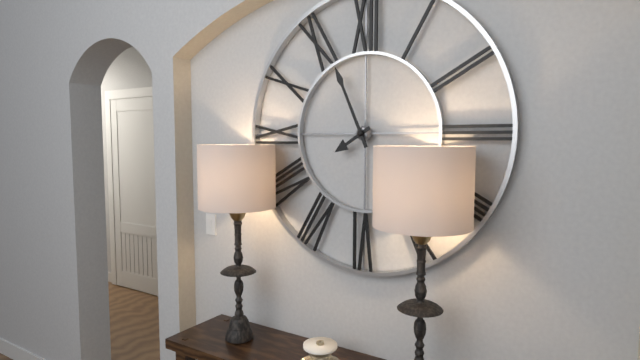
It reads 7:56
